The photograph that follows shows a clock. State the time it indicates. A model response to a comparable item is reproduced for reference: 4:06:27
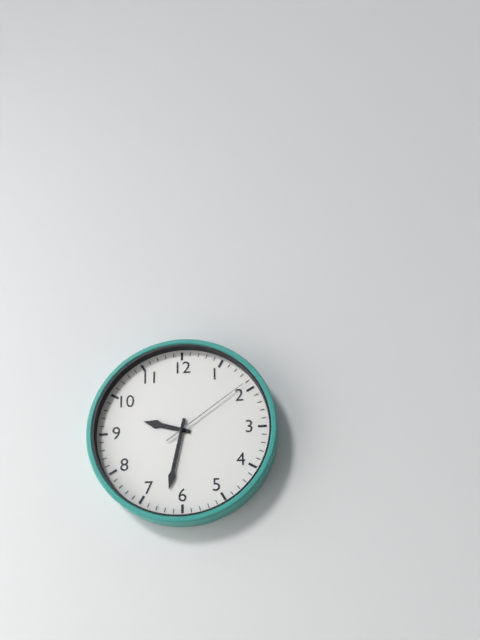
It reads 9:32:09
